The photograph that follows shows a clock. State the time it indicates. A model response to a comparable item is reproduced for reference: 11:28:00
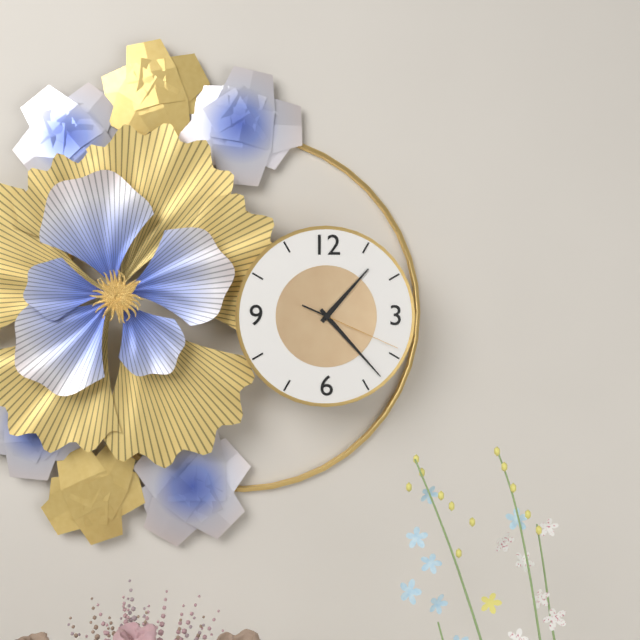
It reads 1:23:19
